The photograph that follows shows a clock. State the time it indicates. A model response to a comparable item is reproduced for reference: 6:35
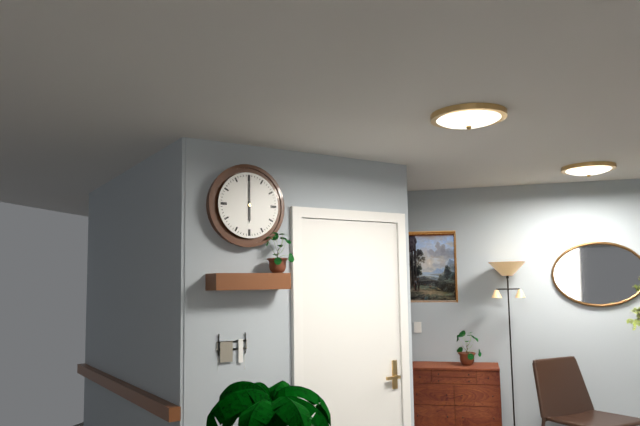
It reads 6:00
